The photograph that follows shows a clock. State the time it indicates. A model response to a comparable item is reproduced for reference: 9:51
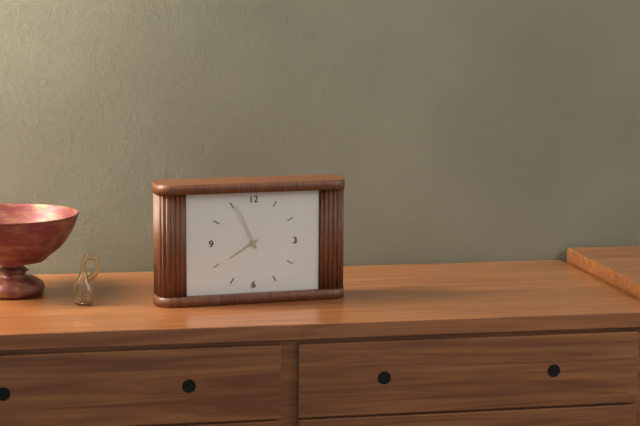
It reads 7:56
